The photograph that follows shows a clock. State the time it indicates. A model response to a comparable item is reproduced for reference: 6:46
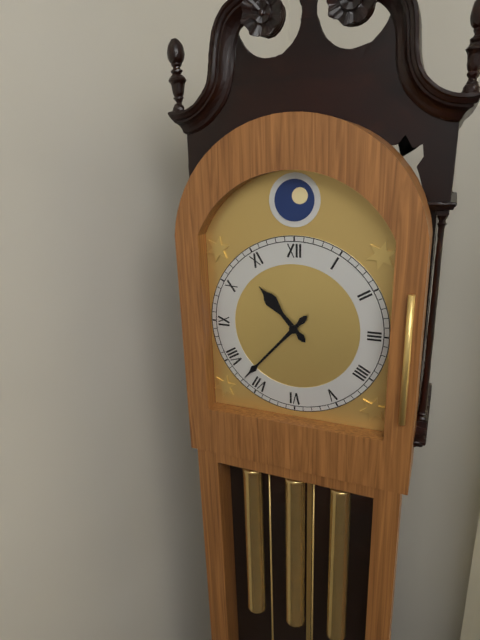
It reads 10:37
